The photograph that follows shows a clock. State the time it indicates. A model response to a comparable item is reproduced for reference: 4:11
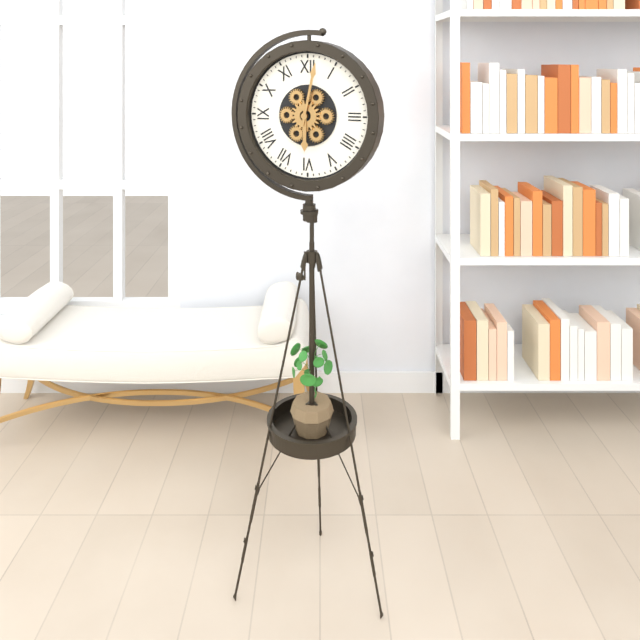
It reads 6:02
